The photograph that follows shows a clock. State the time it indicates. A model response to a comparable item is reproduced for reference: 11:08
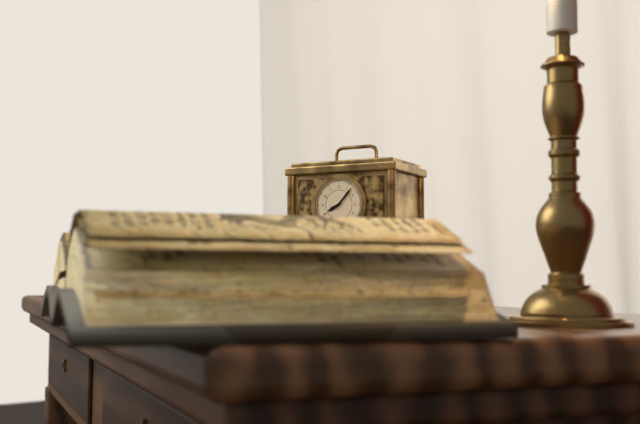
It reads 8:07
